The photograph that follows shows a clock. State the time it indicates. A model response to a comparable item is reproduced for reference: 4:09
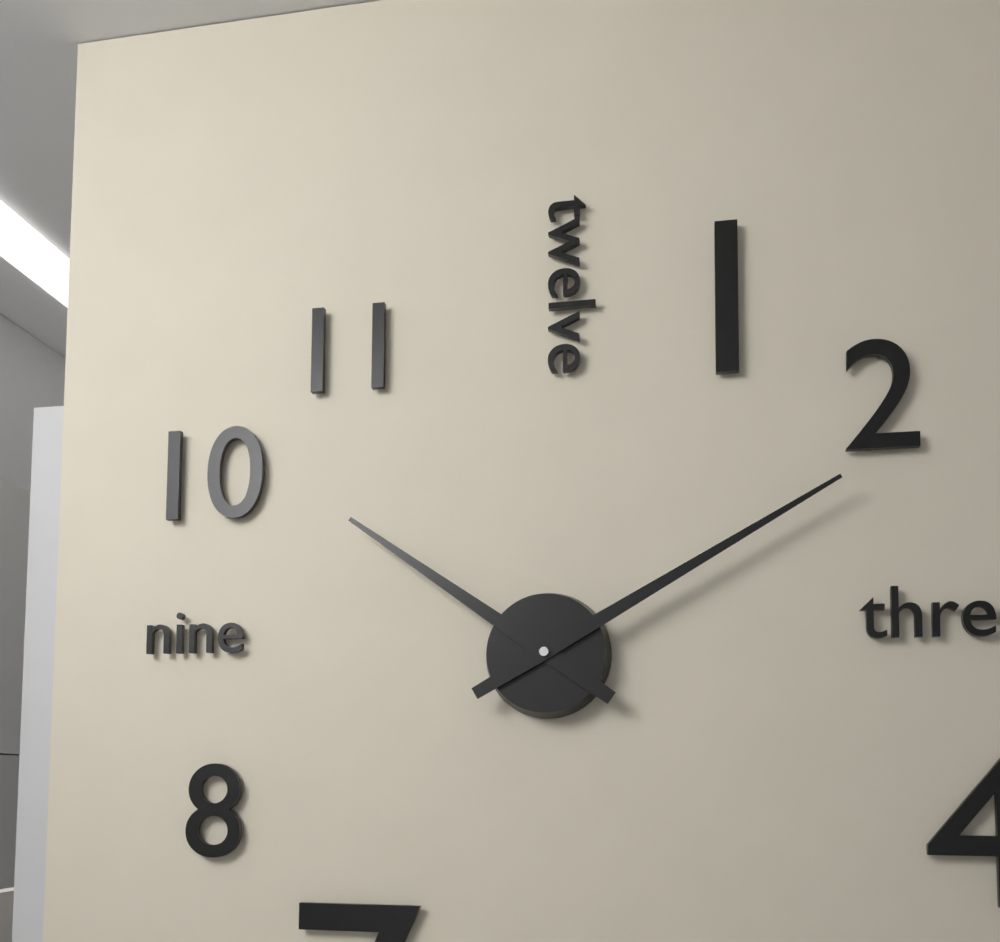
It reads 10:10
